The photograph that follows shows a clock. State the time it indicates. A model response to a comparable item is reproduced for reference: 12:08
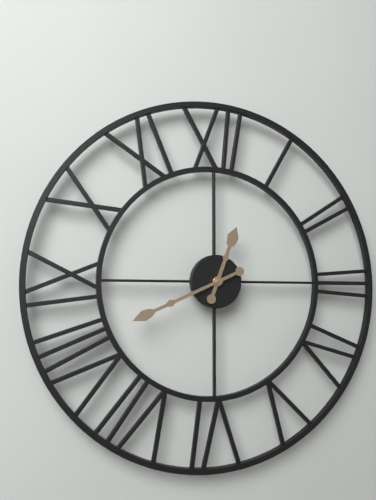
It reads 12:41
